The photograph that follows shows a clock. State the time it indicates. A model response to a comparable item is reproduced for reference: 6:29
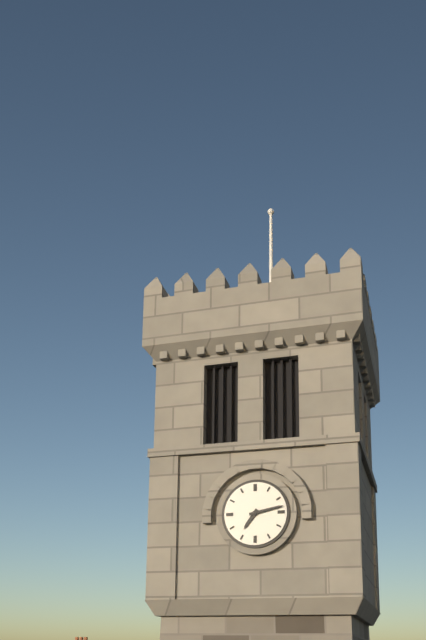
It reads 7:13
